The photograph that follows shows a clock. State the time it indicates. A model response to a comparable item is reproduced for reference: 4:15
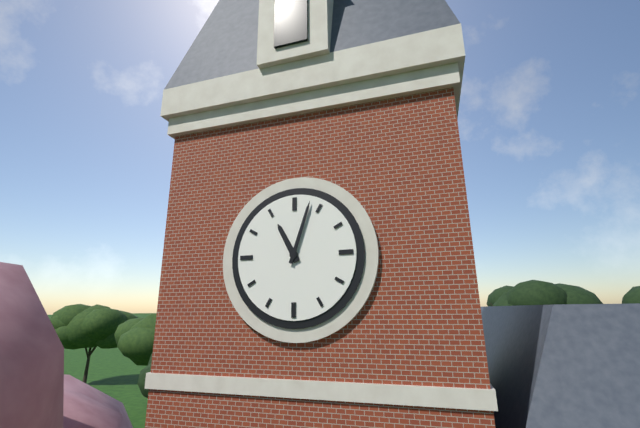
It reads 11:03
